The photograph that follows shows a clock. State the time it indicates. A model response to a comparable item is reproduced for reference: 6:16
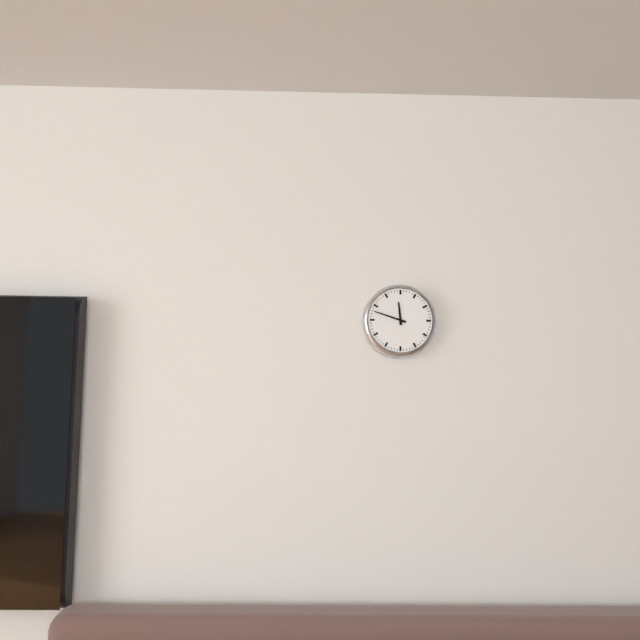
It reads 11:48
